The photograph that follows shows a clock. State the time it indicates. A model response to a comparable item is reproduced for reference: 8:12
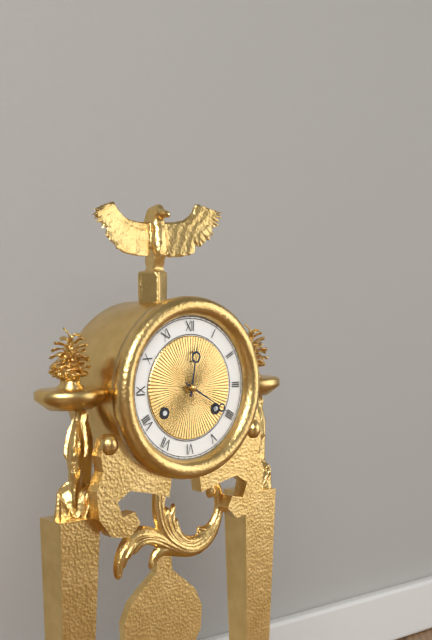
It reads 12:20
